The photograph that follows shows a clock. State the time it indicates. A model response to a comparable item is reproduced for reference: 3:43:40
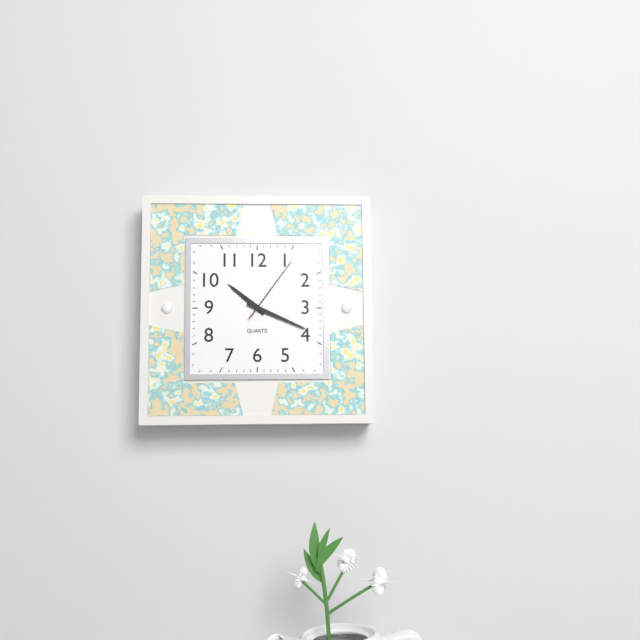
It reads 10:19:06
